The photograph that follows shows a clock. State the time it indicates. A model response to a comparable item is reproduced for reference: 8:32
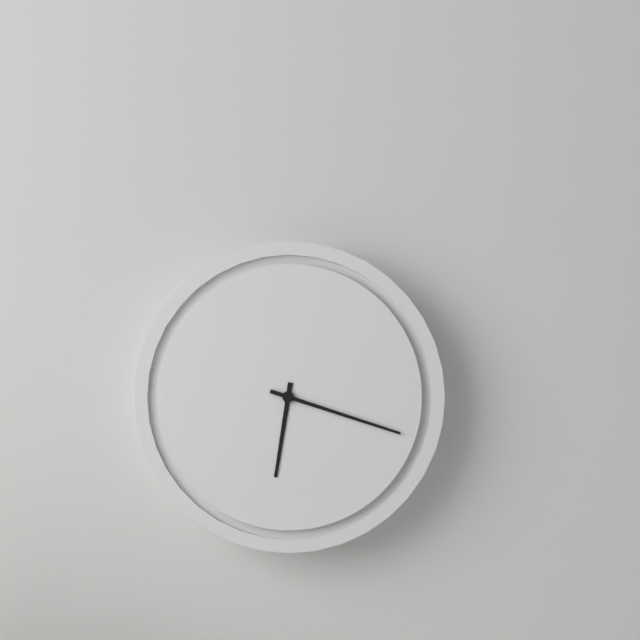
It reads 6:18
